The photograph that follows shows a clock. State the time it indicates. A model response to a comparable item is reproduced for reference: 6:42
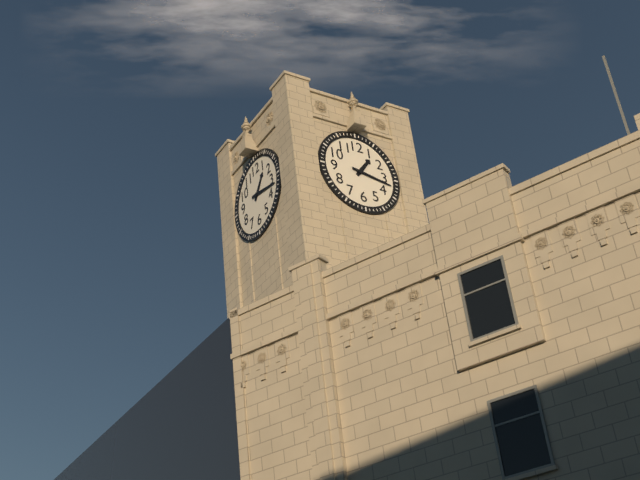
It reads 1:17
